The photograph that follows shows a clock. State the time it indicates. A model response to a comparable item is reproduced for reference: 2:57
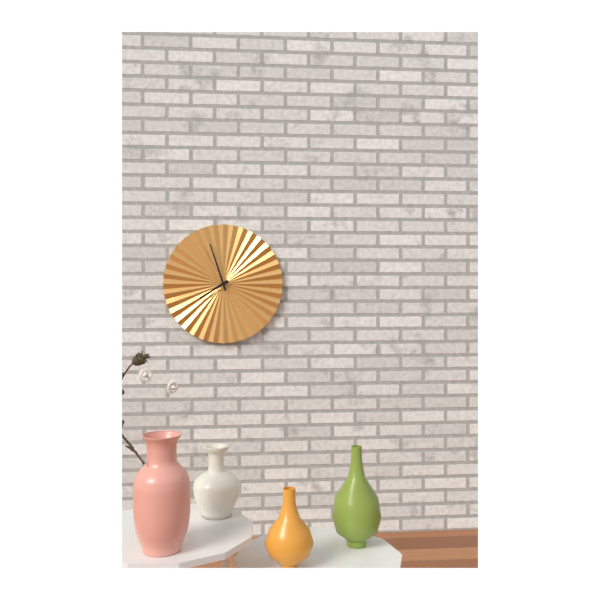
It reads 7:57
